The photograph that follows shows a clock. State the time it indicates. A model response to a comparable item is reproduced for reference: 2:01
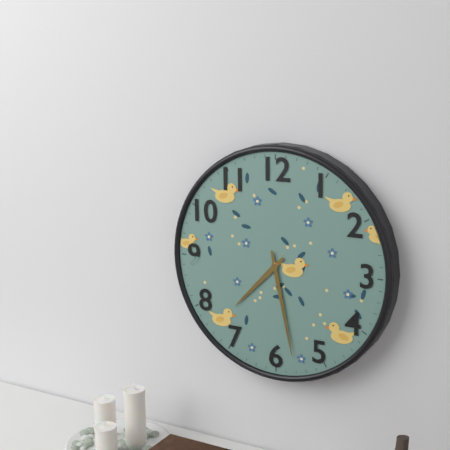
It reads 7:28
